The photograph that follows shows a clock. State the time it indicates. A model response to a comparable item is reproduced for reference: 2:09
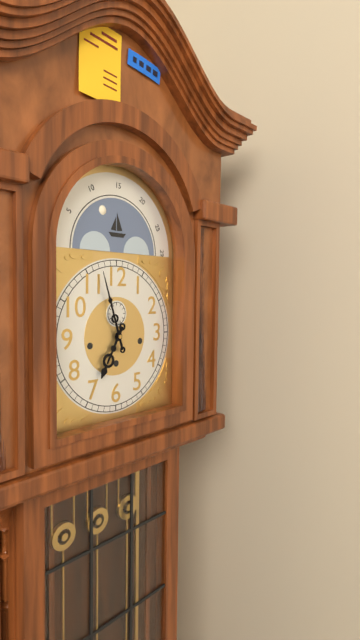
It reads 6:57
